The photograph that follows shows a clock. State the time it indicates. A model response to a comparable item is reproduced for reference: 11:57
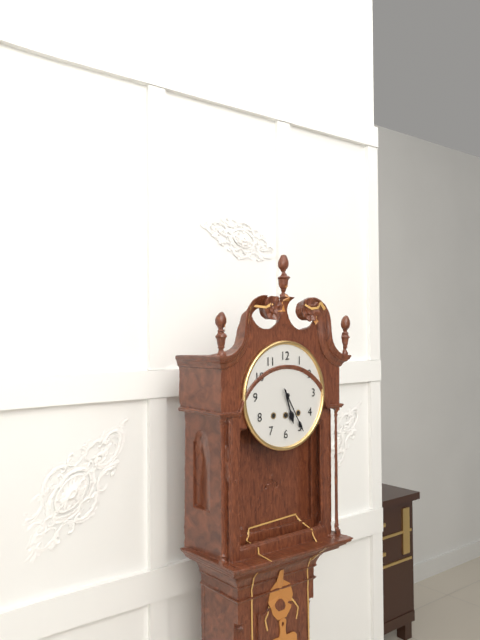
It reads 5:25
